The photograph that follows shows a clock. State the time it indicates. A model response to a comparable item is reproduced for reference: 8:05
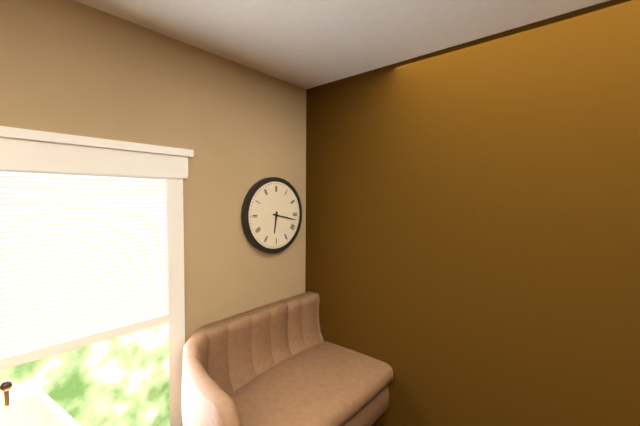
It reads 6:17
